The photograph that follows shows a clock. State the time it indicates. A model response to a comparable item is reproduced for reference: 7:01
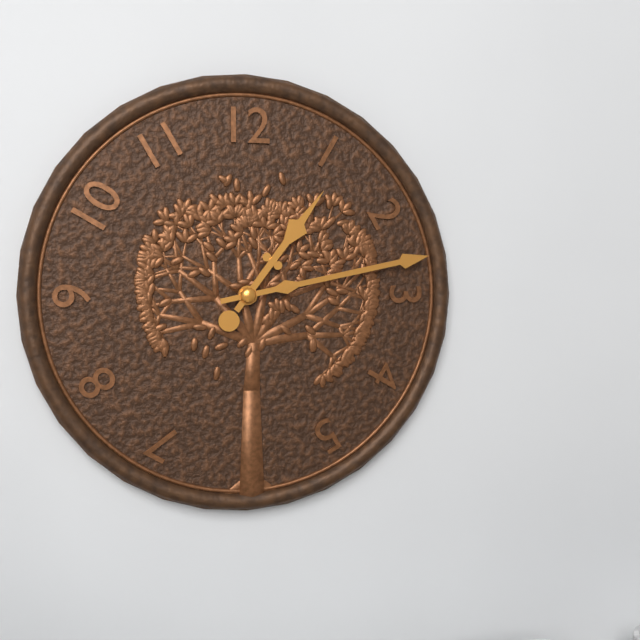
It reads 1:13
